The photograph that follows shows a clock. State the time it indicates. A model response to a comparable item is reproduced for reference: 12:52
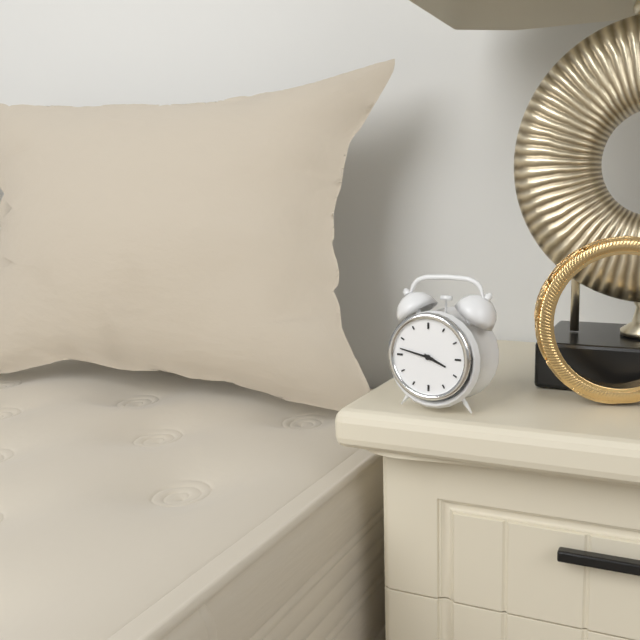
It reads 3:47
